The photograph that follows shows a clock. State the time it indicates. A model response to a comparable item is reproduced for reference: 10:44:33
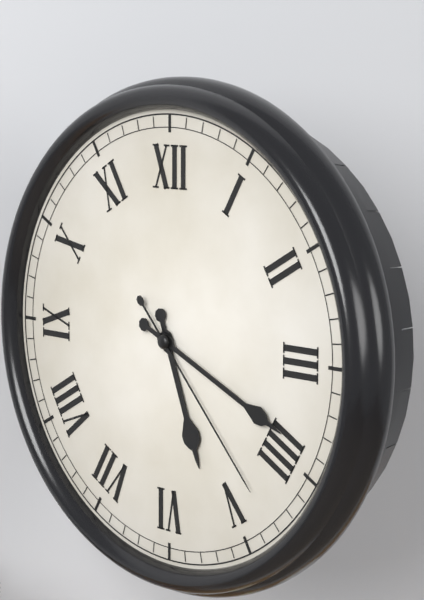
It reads 5:19:23
